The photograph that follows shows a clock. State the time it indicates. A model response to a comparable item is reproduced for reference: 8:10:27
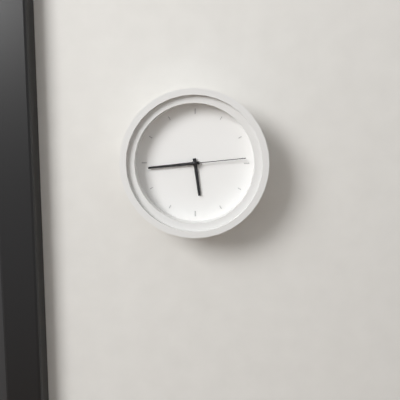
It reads 5:44:14
